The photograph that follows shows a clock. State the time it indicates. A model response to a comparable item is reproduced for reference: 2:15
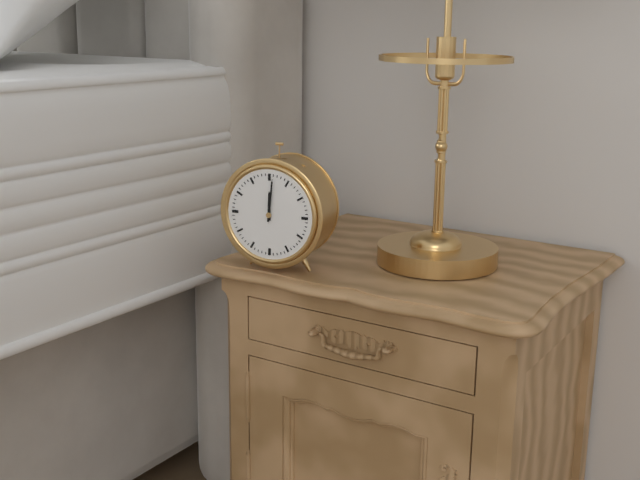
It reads 12:01
